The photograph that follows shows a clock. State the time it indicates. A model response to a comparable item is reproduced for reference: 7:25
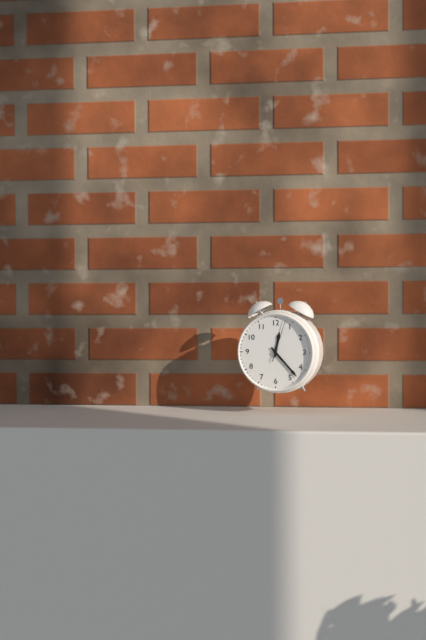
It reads 12:23
